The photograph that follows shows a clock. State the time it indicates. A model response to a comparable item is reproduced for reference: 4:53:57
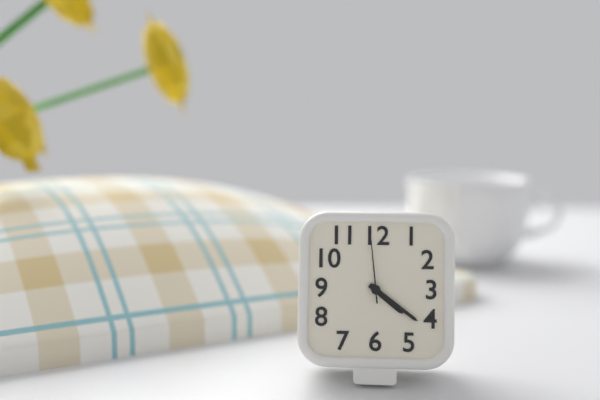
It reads 4:21:59
